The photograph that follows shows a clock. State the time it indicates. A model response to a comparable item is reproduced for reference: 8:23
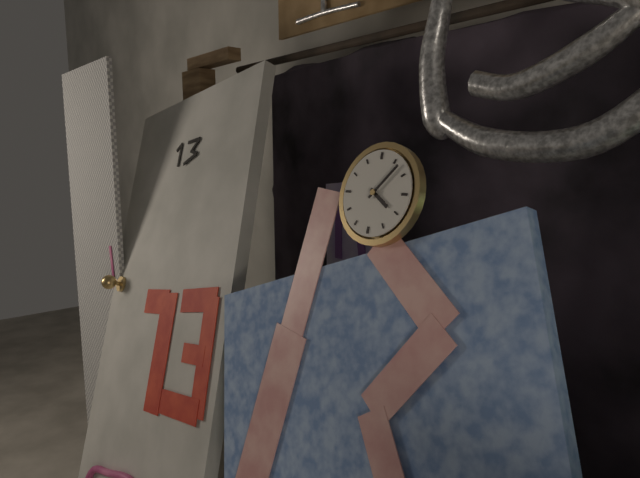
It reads 4:07
